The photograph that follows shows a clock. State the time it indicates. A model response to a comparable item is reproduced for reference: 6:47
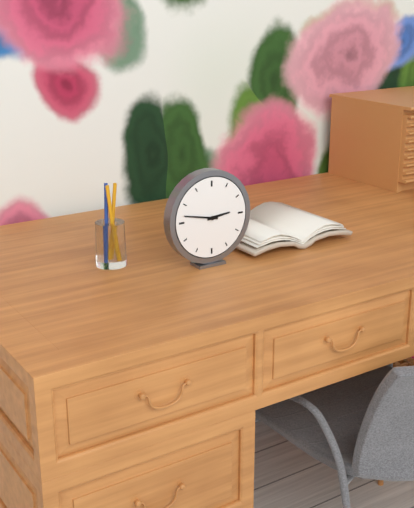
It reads 2:47
